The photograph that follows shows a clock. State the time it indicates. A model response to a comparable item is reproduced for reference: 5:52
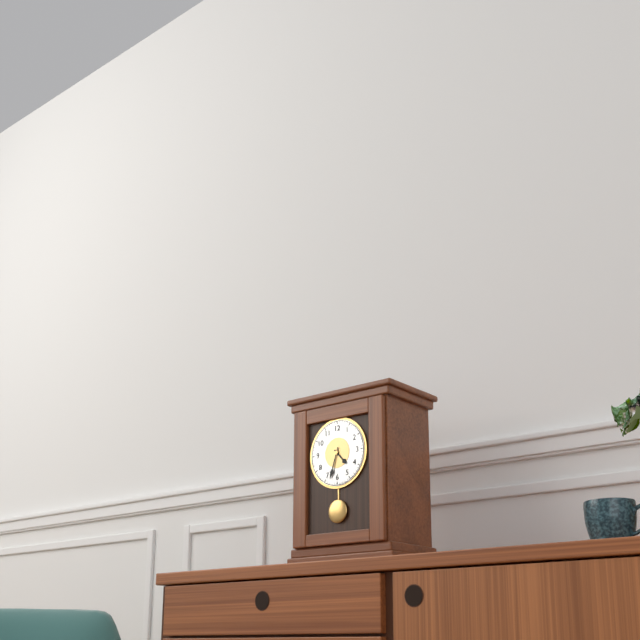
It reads 4:33
